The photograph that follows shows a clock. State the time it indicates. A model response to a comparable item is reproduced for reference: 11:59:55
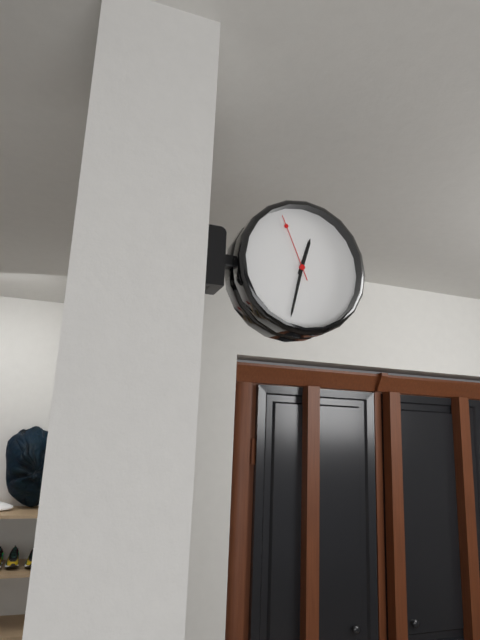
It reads 12:32:56
